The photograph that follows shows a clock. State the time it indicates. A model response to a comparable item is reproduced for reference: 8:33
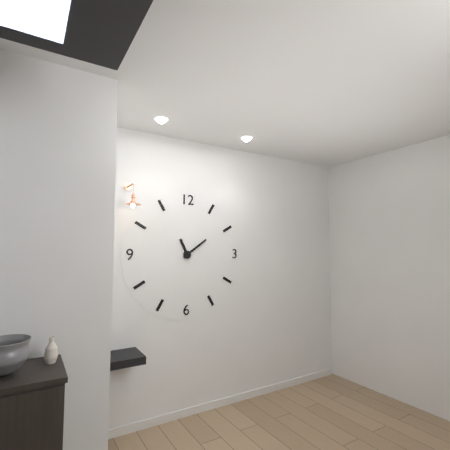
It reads 11:09
